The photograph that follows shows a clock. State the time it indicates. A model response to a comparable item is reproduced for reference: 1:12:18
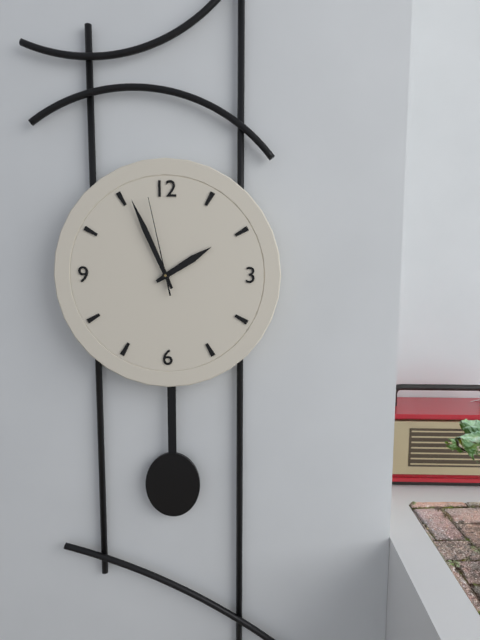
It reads 1:56:58
